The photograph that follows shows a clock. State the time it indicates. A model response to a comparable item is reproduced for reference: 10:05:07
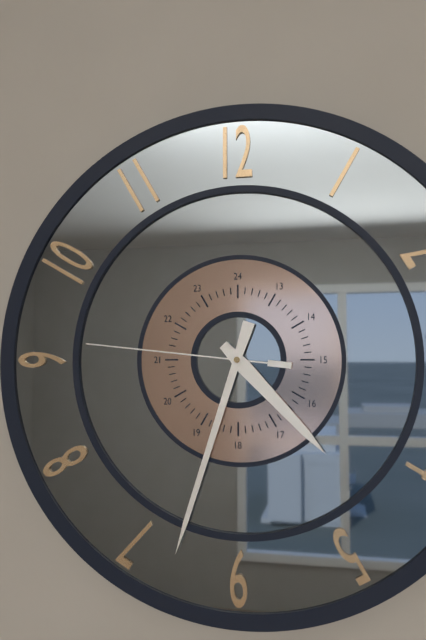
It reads 4:33:46
